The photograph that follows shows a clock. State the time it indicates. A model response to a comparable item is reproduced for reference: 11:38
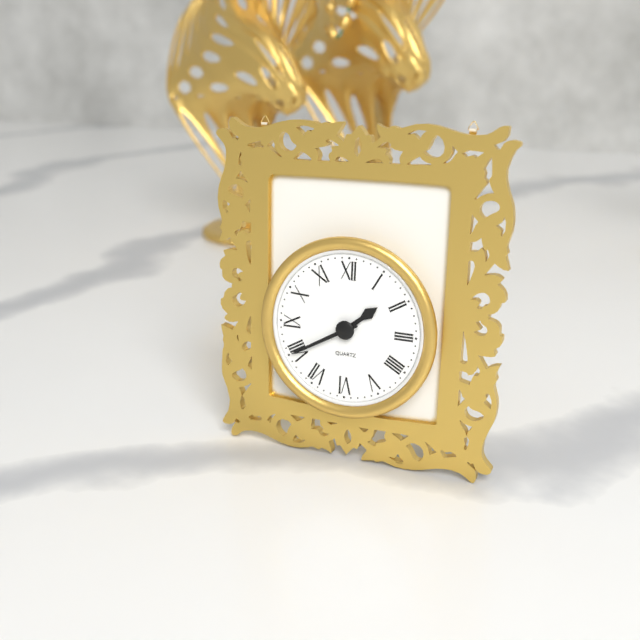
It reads 1:40
